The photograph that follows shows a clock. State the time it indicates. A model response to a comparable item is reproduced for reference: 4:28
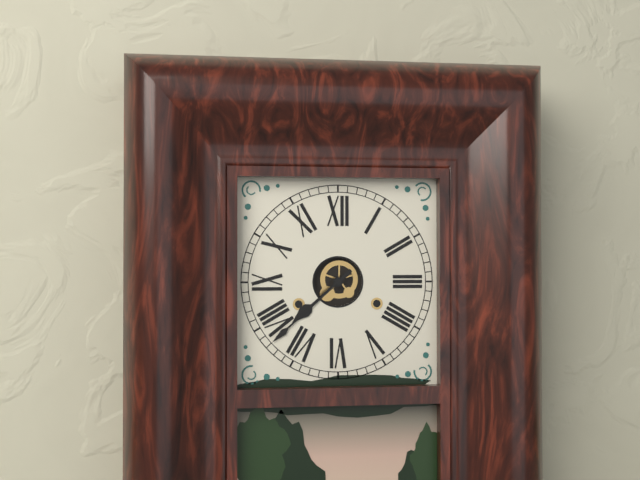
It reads 7:38
